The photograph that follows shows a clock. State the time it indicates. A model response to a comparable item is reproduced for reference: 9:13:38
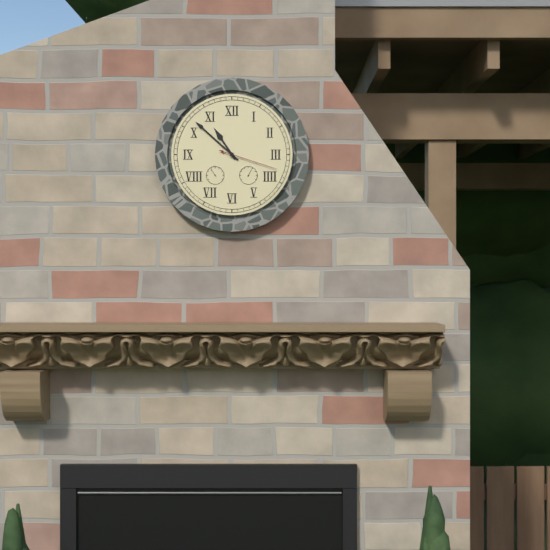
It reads 10:52:18
